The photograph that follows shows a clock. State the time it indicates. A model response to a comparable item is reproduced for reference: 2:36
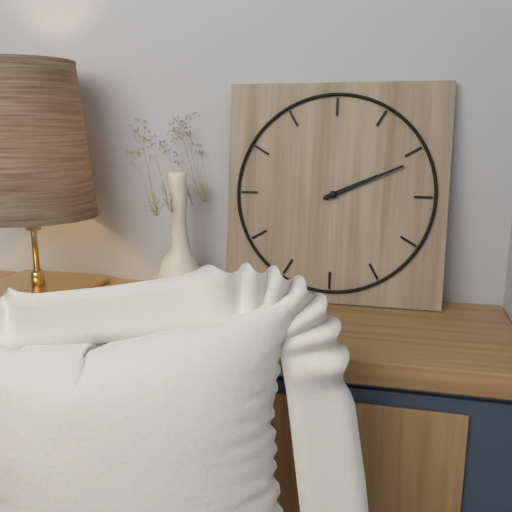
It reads 2:11
